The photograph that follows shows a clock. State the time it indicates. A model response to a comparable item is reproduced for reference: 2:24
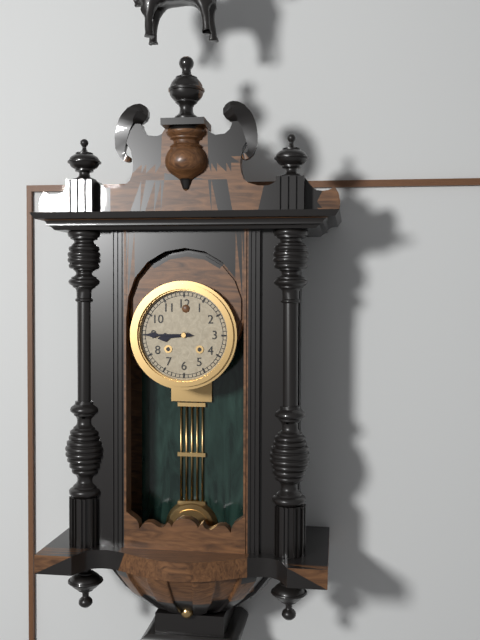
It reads 8:45
